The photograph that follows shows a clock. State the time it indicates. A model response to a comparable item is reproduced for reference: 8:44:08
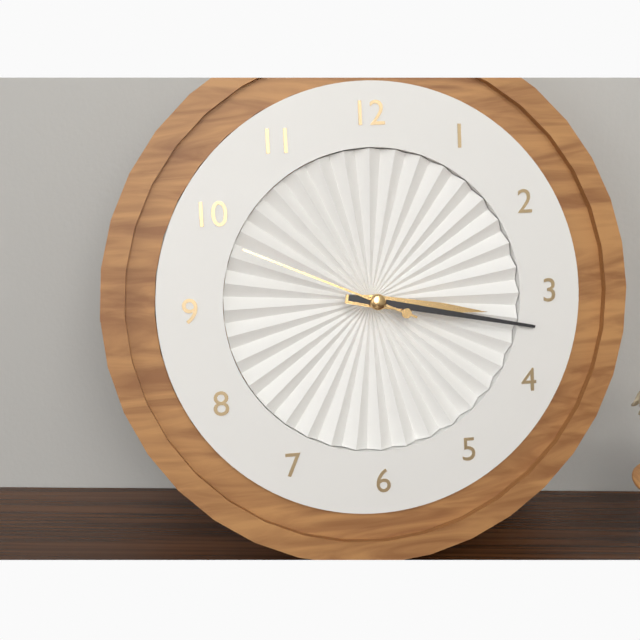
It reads 3:17:49
